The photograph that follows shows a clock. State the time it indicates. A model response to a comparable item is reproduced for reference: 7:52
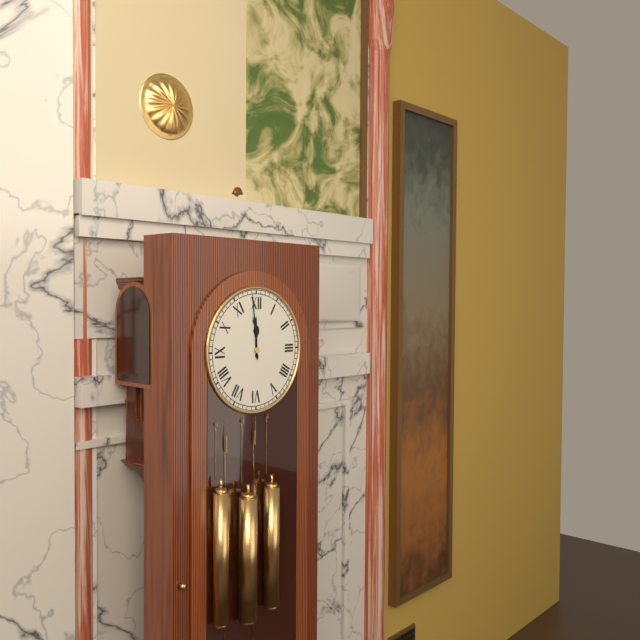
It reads 11:59
